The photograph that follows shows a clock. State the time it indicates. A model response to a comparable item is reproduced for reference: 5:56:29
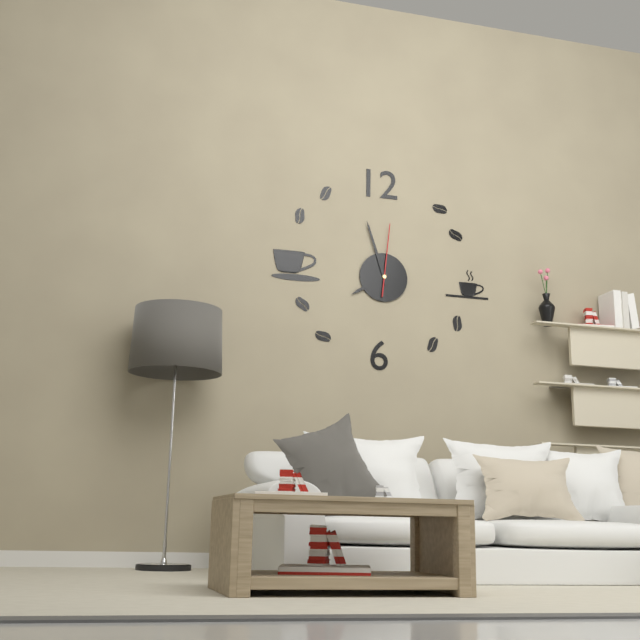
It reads 7:57:01
